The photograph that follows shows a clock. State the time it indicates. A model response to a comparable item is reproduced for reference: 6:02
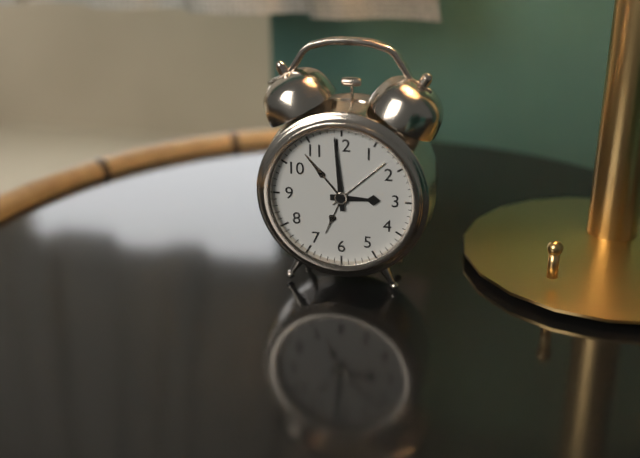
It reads 2:59
